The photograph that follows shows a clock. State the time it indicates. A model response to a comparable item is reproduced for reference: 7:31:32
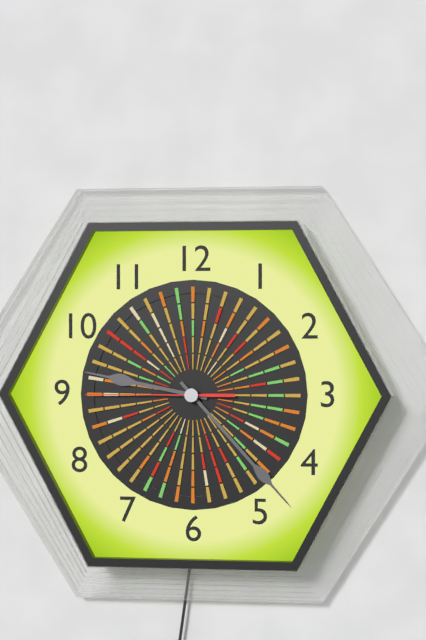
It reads 9:23:45
